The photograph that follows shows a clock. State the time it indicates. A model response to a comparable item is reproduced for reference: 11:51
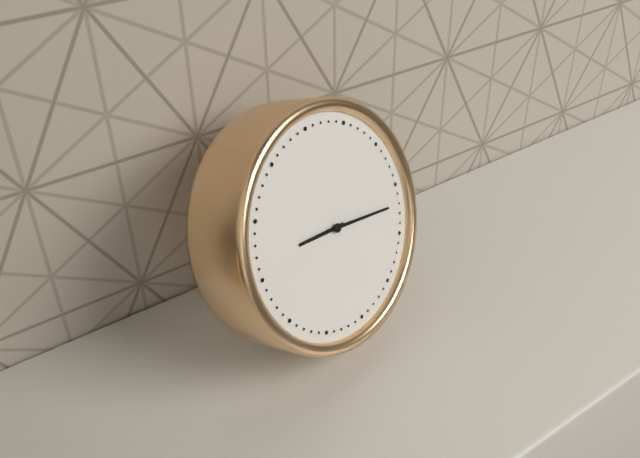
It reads 9:17
